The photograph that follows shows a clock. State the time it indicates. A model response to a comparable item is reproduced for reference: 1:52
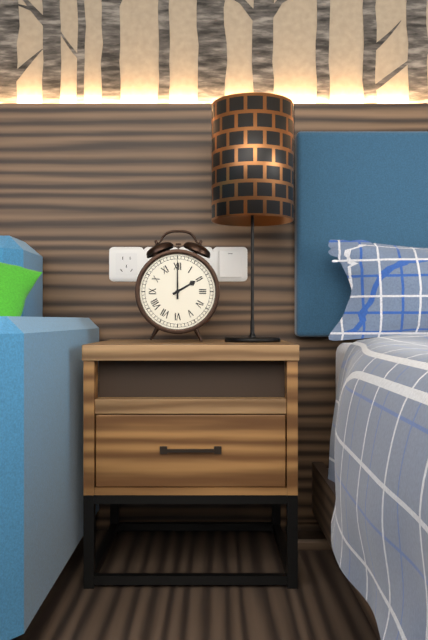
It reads 2:00
